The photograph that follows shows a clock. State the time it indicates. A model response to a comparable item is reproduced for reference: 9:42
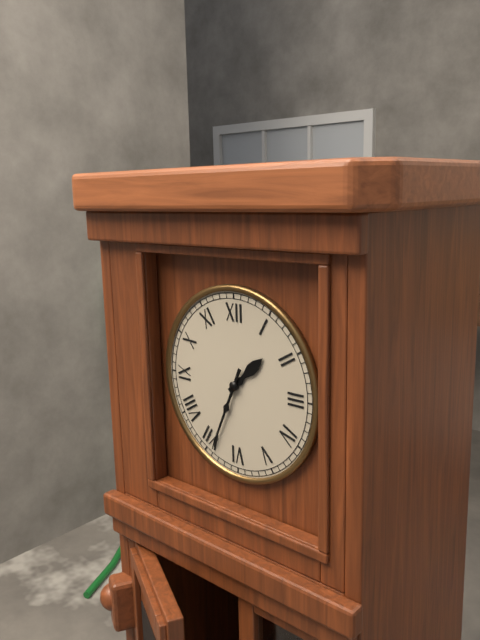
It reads 1:34
